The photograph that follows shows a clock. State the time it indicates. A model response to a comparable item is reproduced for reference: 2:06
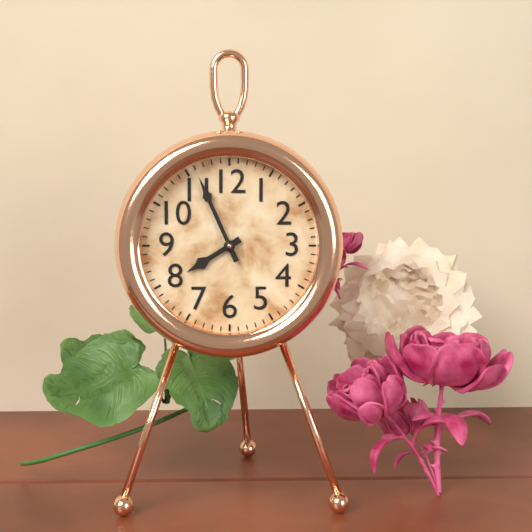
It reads 7:56
